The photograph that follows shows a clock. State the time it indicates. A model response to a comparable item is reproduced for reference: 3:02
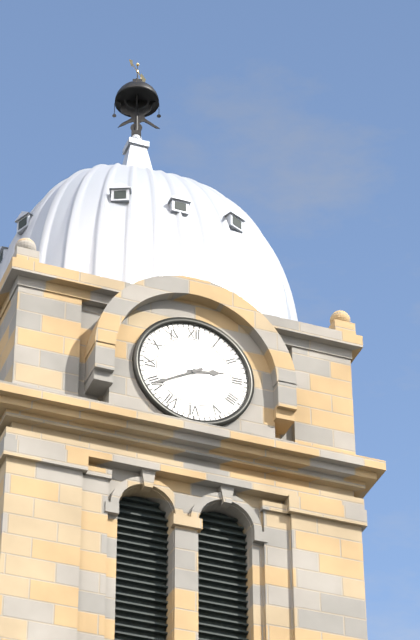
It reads 2:40
